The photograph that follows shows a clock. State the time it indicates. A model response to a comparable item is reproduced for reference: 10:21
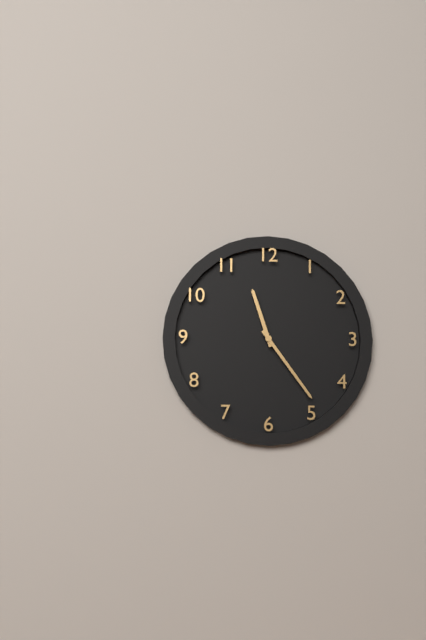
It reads 11:24
